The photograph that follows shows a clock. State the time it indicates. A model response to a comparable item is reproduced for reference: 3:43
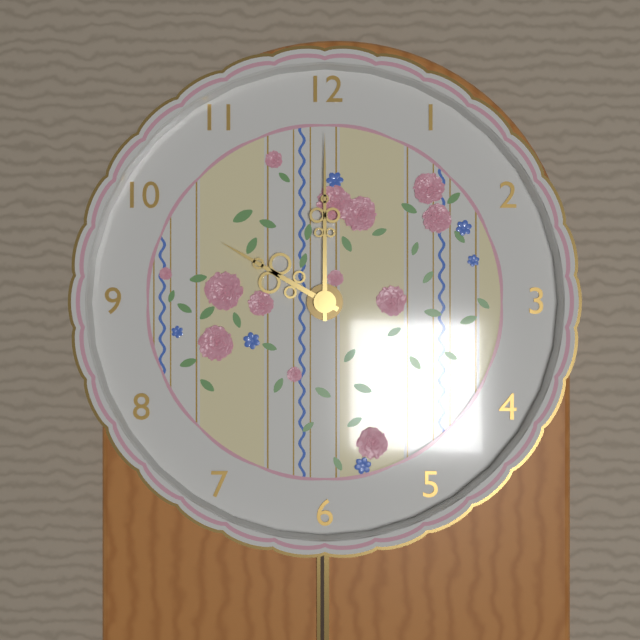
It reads 10:00
